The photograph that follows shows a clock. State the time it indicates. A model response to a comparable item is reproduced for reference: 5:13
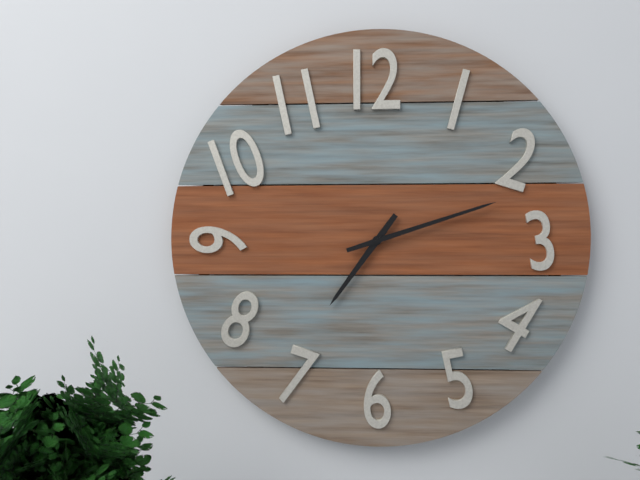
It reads 7:12
